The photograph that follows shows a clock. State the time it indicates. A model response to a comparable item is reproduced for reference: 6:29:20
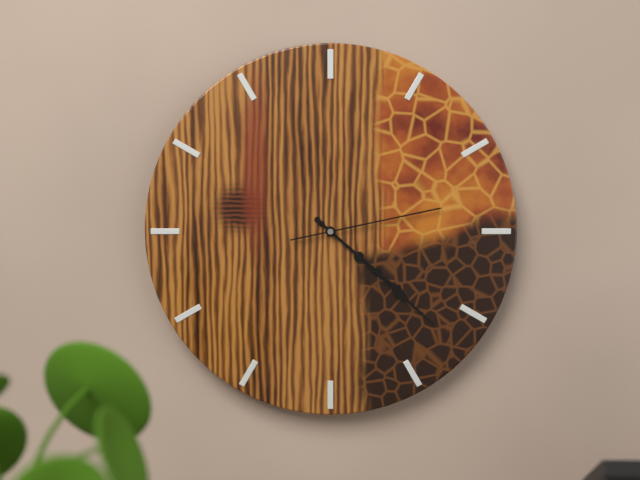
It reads 4:22:13
